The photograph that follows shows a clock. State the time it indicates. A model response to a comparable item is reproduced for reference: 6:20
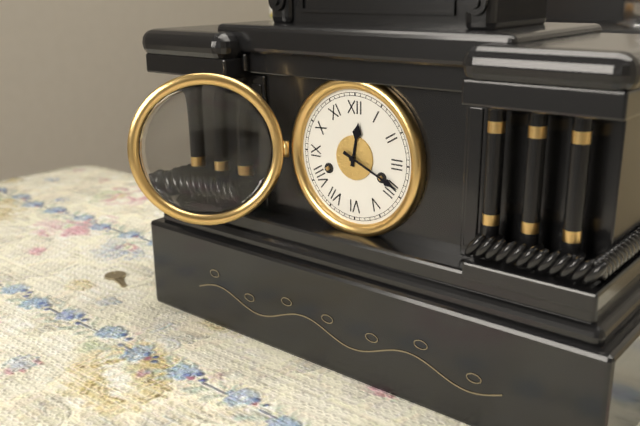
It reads 12:19
